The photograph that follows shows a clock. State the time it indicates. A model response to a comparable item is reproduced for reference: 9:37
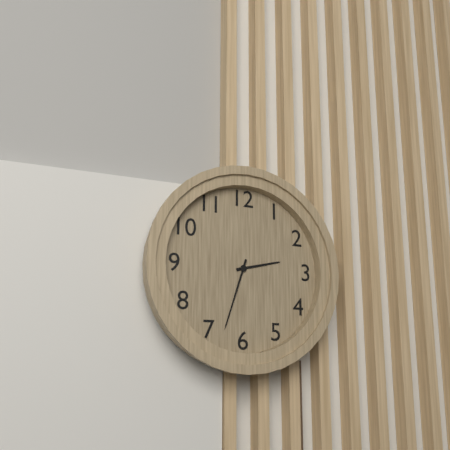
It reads 2:33
